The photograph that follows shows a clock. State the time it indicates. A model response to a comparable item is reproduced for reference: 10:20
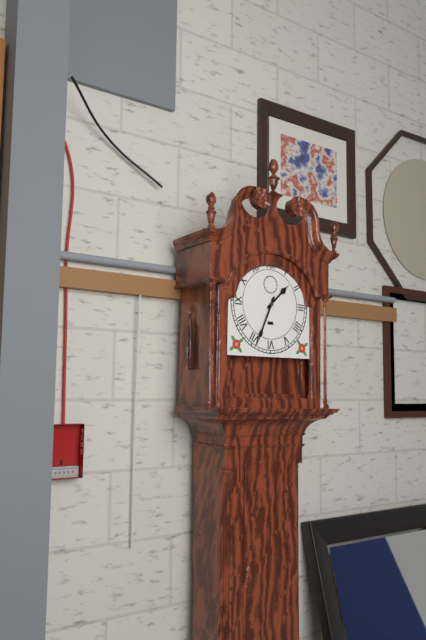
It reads 1:34
